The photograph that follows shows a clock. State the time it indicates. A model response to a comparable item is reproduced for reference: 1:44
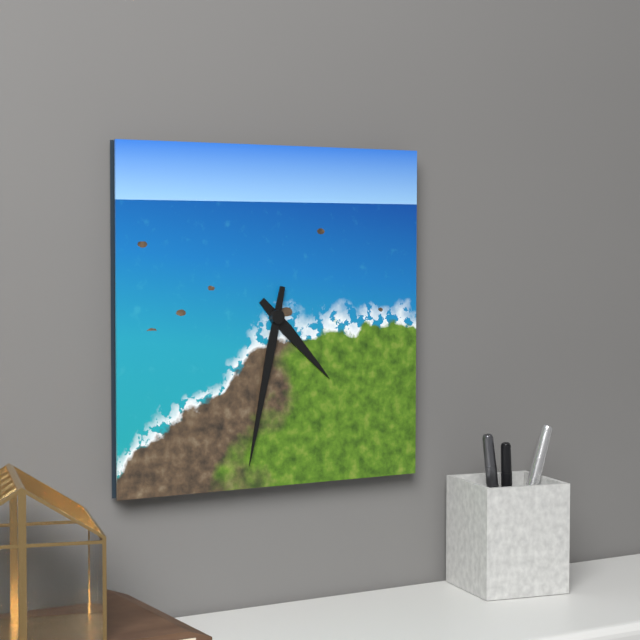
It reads 4:32
